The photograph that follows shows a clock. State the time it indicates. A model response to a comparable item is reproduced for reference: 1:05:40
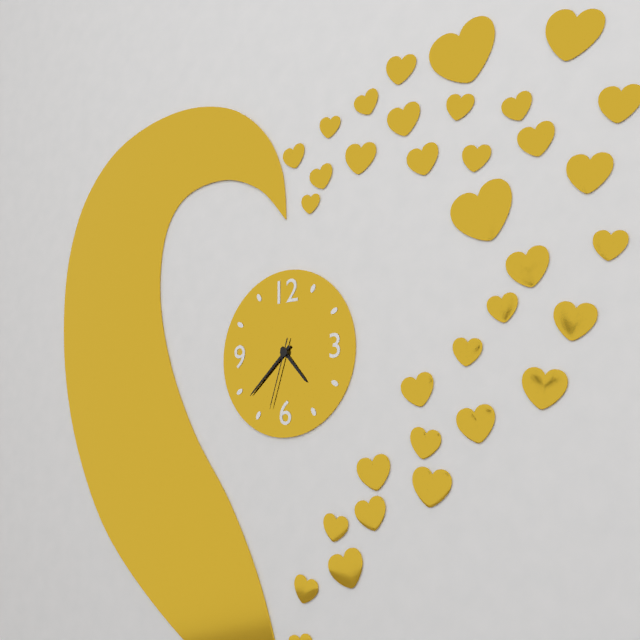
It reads 4:38:33
